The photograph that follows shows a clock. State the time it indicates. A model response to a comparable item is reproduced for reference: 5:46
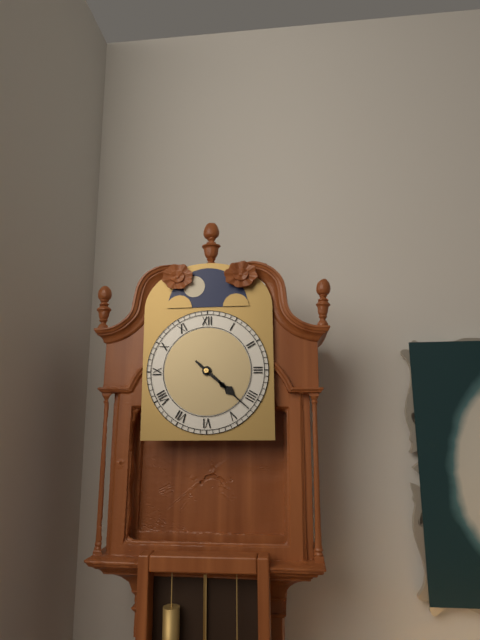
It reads 4:22
